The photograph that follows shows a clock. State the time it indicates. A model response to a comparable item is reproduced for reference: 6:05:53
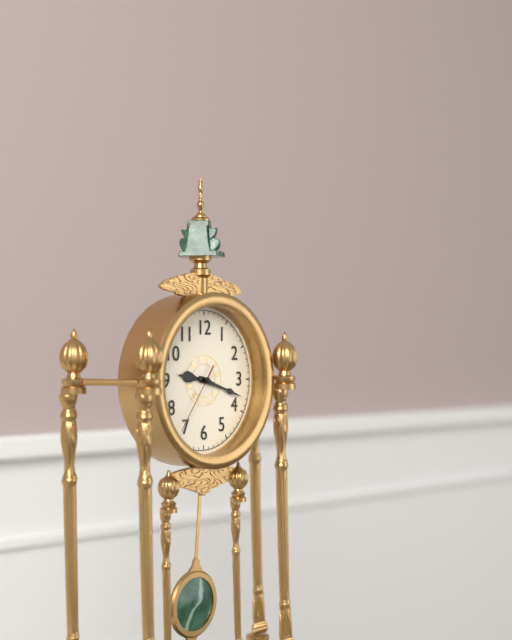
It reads 9:18:36
